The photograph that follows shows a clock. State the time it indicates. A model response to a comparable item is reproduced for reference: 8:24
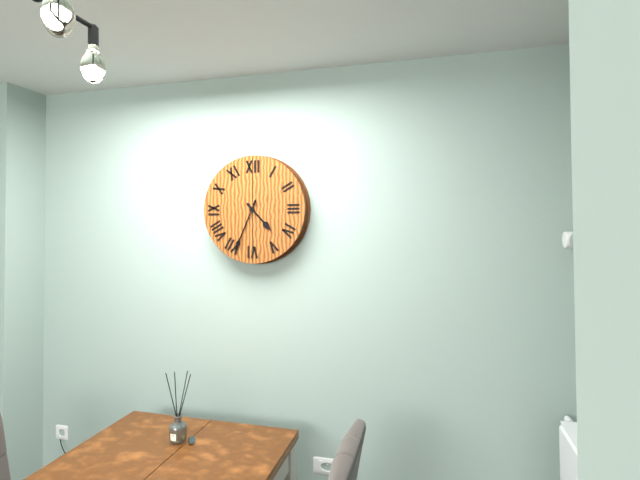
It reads 4:34
